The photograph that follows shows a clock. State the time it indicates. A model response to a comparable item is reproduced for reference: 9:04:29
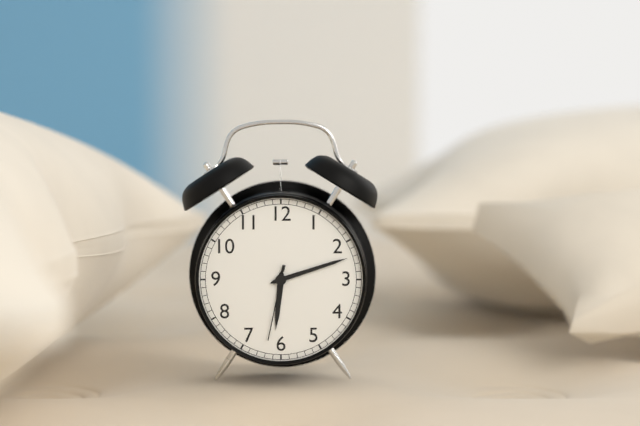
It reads 6:12:32
